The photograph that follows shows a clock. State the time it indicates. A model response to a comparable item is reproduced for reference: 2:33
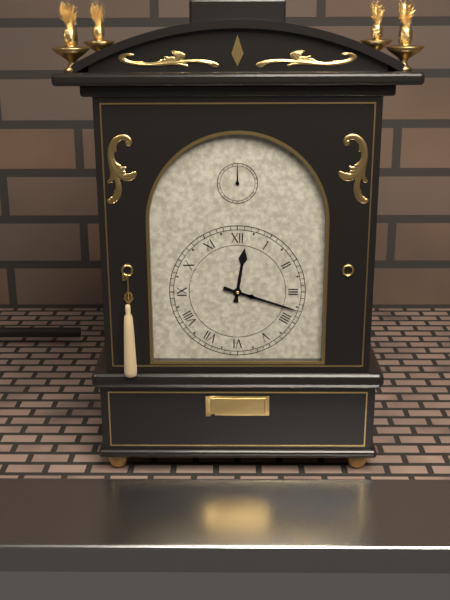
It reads 12:18
